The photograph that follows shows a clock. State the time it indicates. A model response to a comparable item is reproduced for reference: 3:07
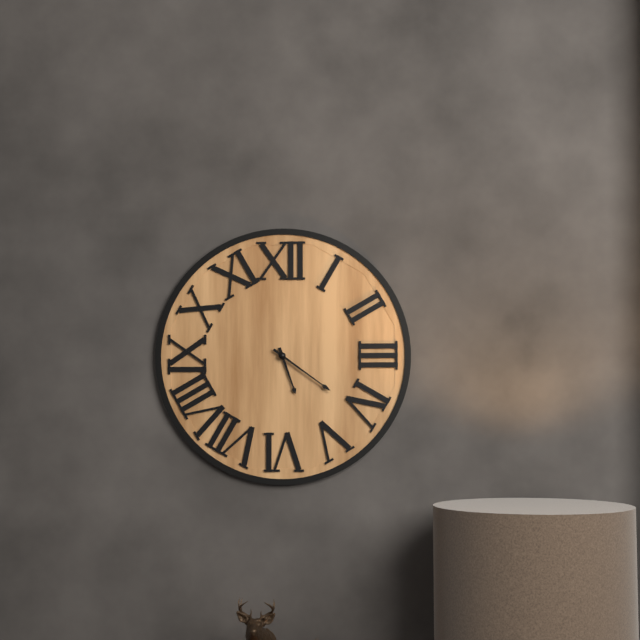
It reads 5:21
